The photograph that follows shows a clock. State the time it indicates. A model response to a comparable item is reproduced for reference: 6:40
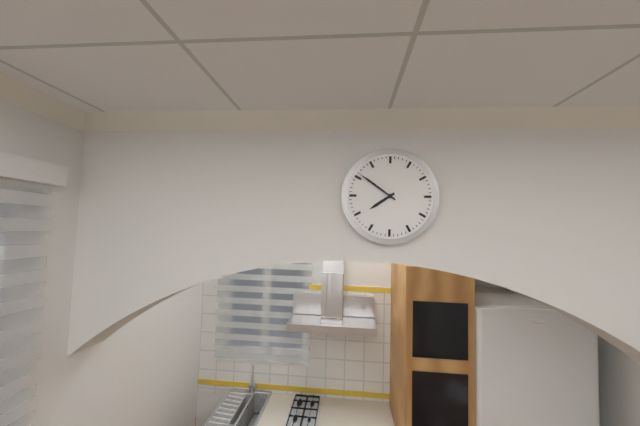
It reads 7:51
